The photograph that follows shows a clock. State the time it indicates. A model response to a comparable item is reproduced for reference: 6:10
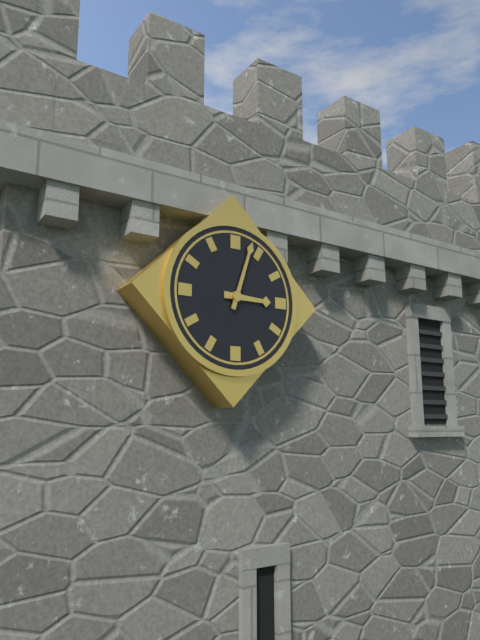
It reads 3:03
